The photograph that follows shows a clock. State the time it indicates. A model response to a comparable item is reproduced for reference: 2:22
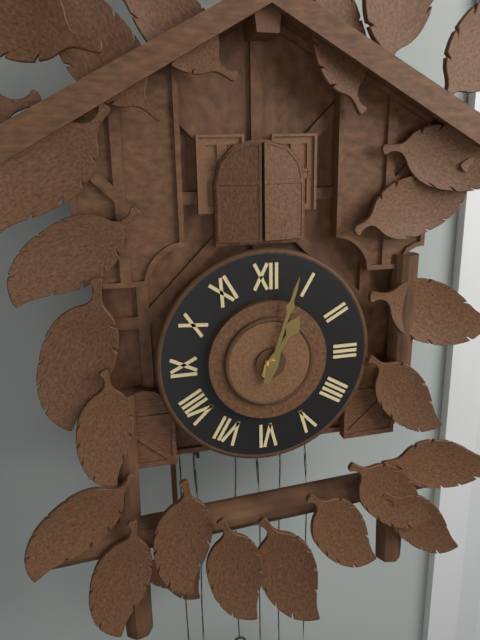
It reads 1:03
